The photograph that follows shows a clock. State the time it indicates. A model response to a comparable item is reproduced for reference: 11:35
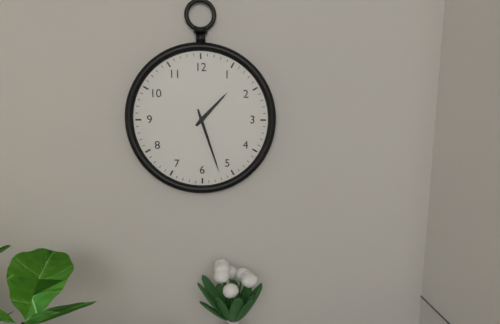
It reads 1:27
